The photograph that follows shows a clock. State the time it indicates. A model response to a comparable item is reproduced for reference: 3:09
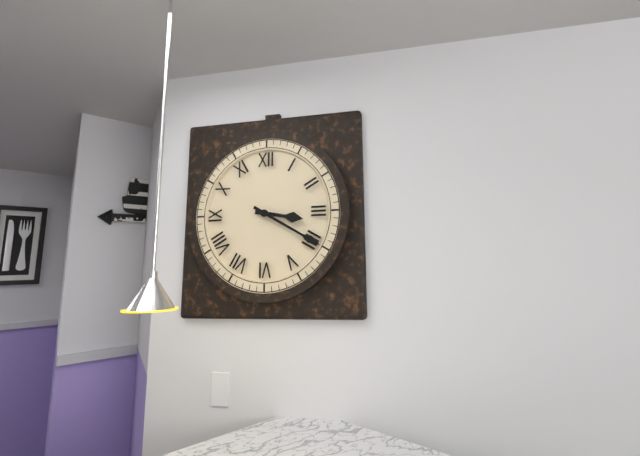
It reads 3:20
